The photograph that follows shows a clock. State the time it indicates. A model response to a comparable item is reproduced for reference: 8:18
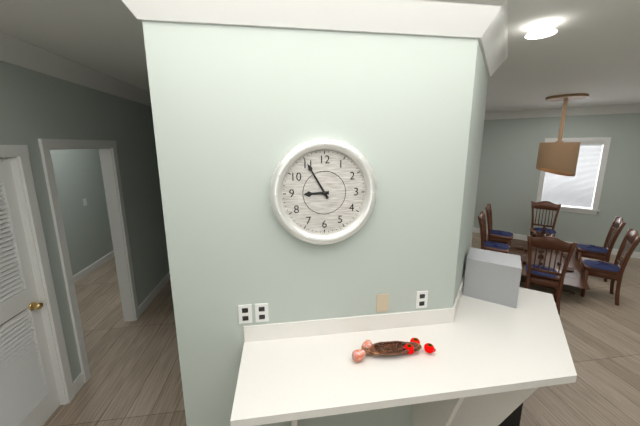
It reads 8:55
